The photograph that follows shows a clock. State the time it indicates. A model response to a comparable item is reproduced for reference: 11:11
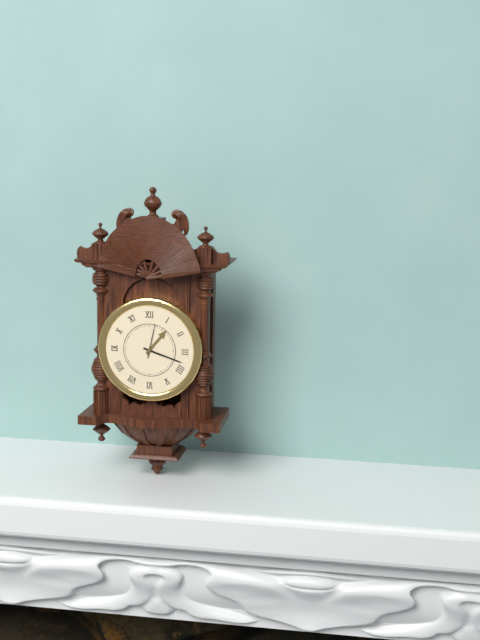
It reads 1:18
